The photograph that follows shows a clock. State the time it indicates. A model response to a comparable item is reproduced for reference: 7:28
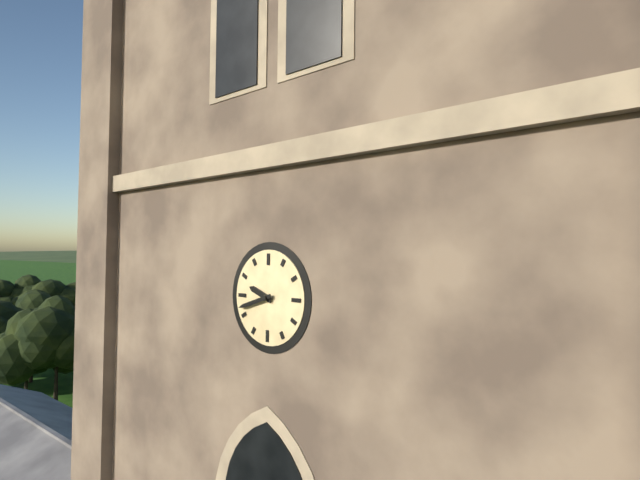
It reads 9:42
